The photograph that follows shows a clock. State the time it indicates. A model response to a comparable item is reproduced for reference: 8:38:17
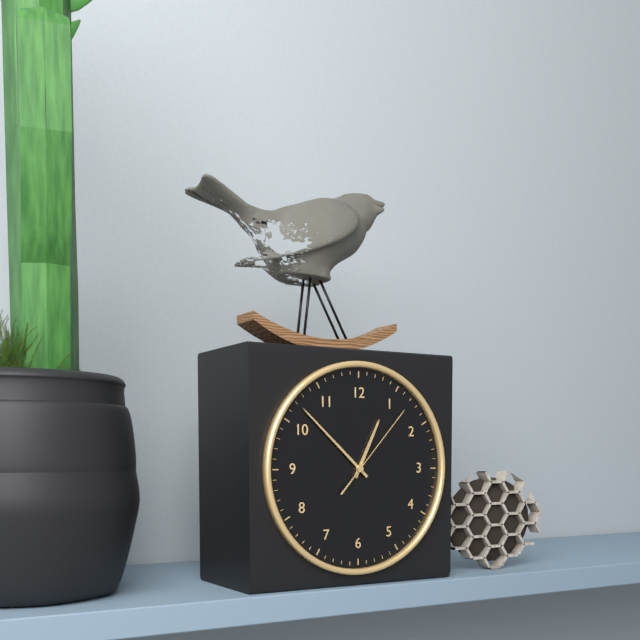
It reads 12:52:07
